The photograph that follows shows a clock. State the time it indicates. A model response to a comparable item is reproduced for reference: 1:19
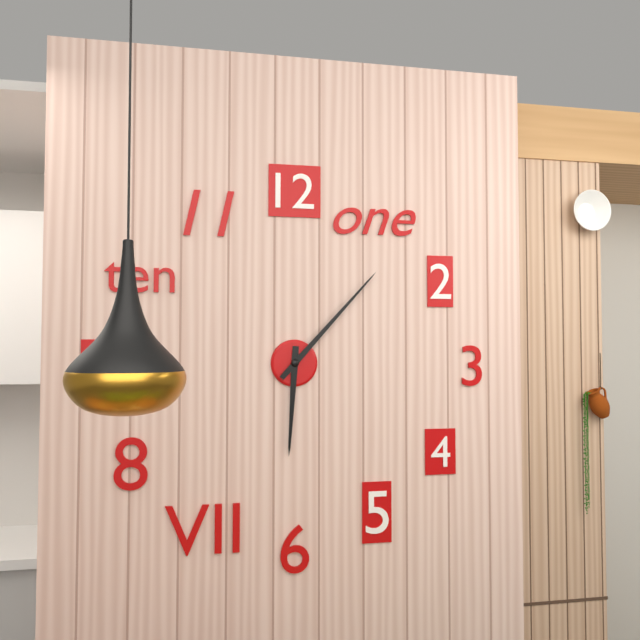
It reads 6:07
